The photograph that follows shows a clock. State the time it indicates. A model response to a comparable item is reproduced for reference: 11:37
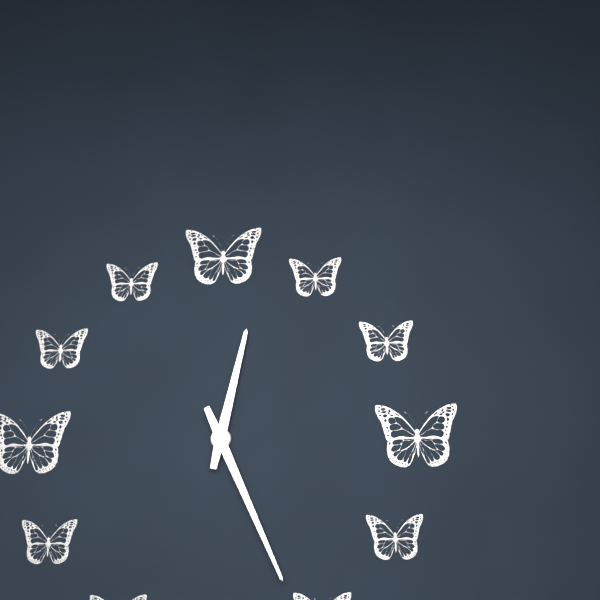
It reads 12:26
